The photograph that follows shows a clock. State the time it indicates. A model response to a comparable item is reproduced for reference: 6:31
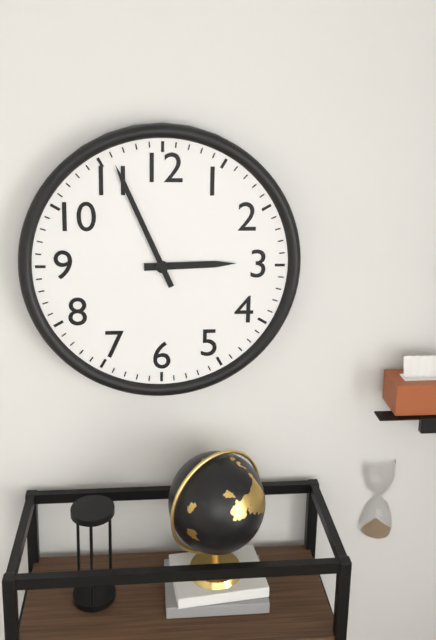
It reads 2:56
